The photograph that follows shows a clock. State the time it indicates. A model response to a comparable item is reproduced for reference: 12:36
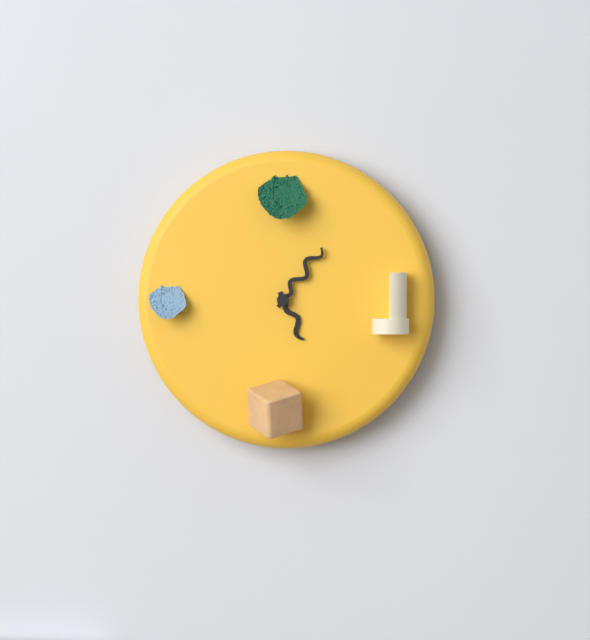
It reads 5:06
